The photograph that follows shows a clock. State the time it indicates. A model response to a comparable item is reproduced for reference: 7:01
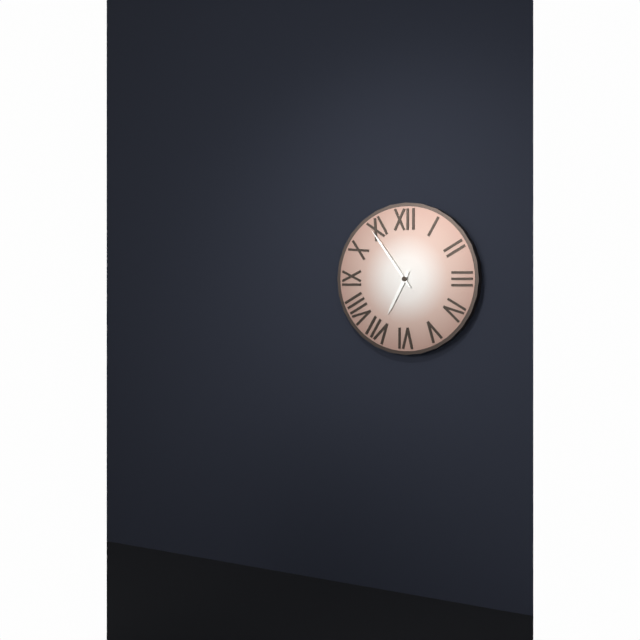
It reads 6:54
